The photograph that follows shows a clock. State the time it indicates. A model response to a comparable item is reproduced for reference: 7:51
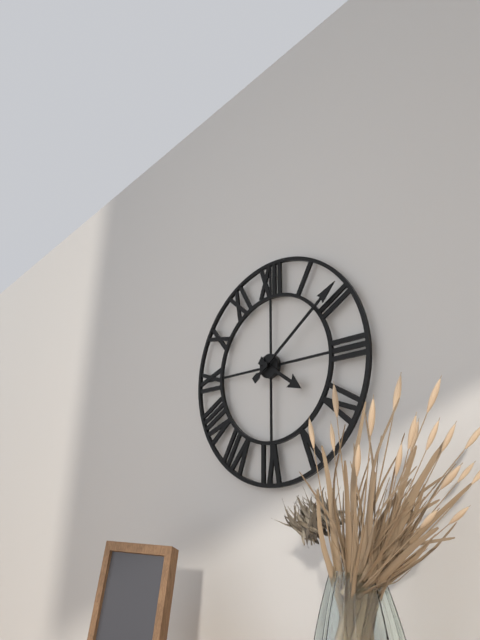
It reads 4:09
